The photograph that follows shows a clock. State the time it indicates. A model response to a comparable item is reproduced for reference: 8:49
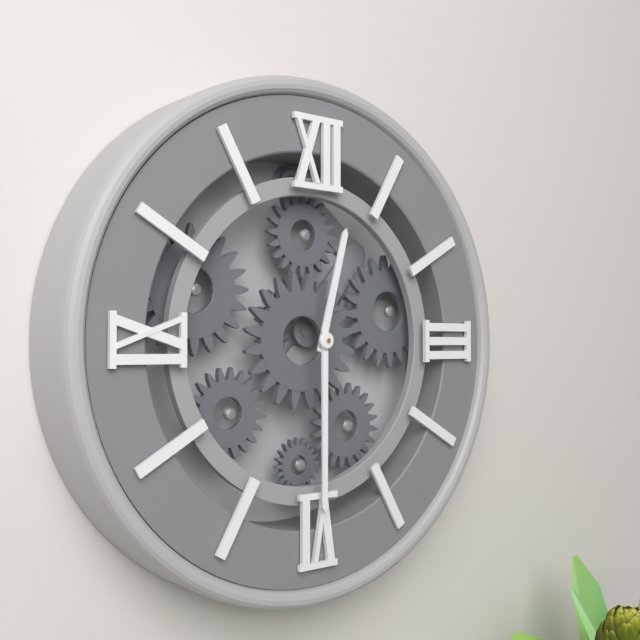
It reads 12:30
